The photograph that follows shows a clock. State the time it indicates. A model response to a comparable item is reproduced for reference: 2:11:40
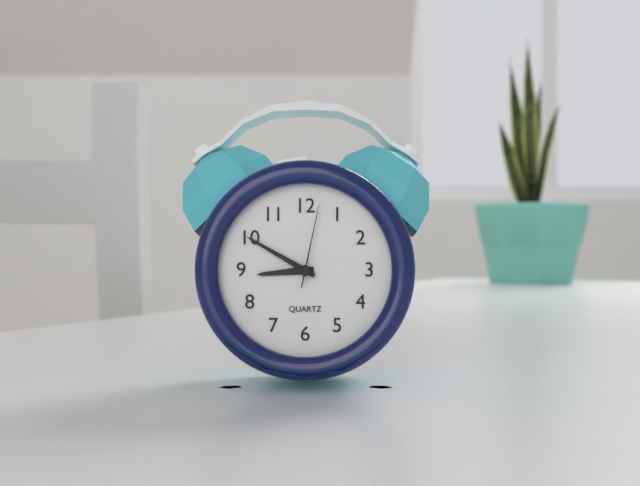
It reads 8:50:02
